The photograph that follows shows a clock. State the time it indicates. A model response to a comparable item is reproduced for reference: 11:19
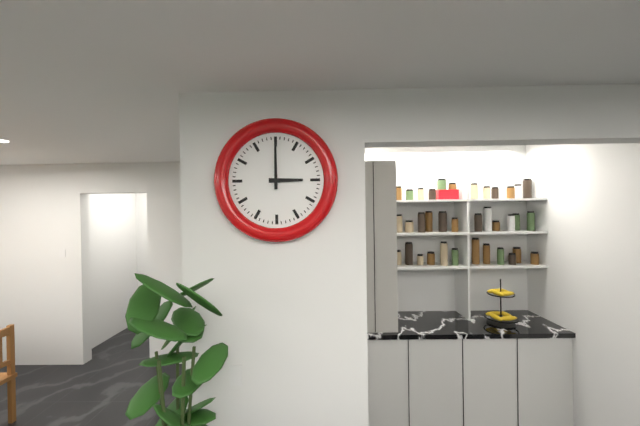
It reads 3:00
